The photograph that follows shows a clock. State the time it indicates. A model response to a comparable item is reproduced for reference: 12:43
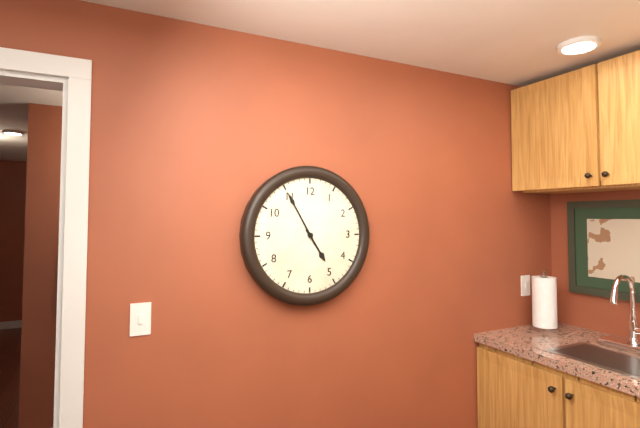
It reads 4:55
